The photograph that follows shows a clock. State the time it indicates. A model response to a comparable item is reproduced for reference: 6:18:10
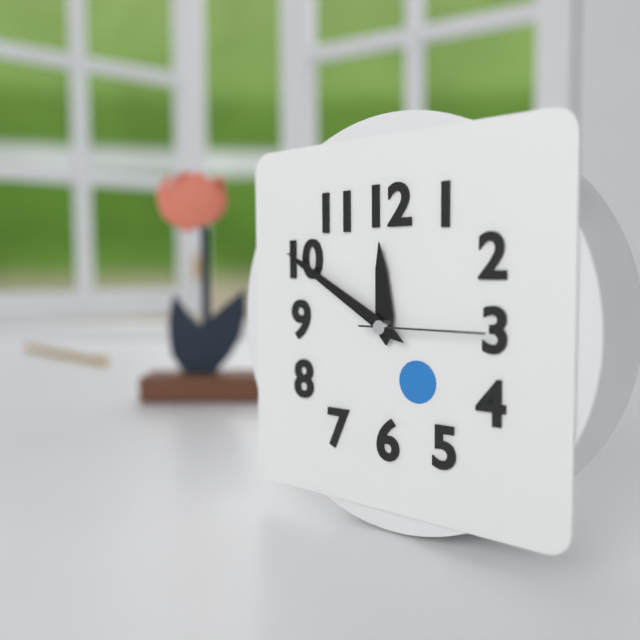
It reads 11:50:15
